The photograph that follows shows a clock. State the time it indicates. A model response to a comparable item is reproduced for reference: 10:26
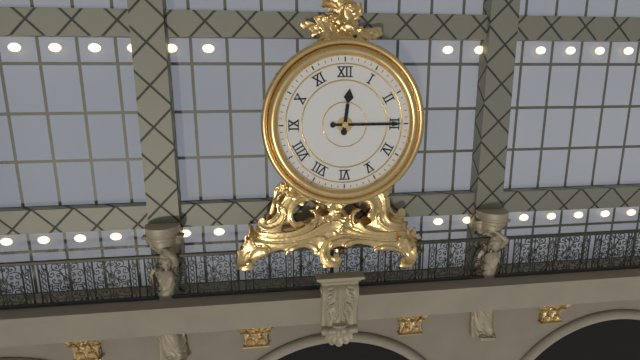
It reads 12:15
